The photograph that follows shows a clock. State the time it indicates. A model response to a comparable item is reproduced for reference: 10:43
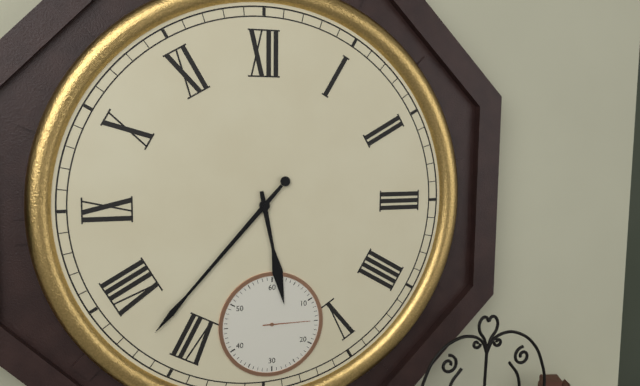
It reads 5:37
